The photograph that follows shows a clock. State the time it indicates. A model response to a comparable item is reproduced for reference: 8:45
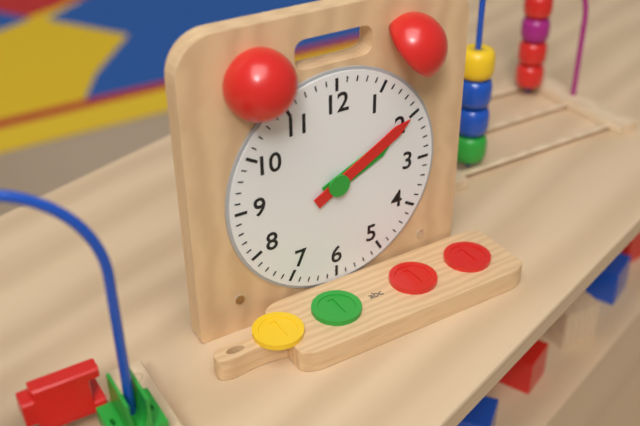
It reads 2:10
